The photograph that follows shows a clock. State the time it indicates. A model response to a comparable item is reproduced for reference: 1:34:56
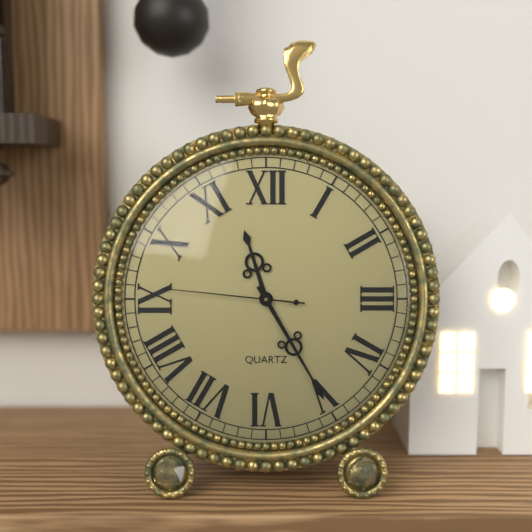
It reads 11:25:46
